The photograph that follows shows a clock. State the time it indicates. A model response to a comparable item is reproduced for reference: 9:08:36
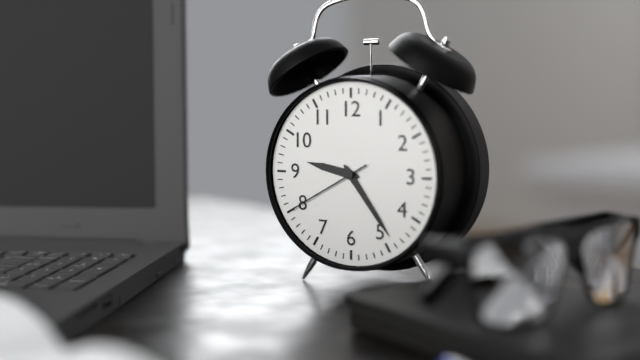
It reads 9:24:40
